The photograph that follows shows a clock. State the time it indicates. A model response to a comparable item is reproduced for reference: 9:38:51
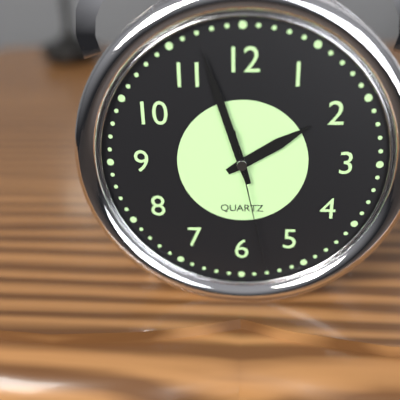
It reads 1:57:28
